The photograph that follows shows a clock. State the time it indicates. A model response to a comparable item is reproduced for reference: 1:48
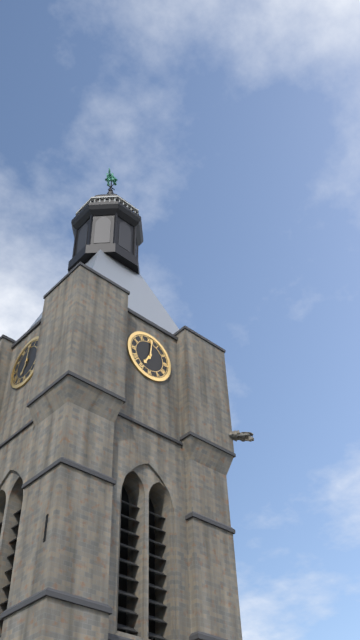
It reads 7:01
